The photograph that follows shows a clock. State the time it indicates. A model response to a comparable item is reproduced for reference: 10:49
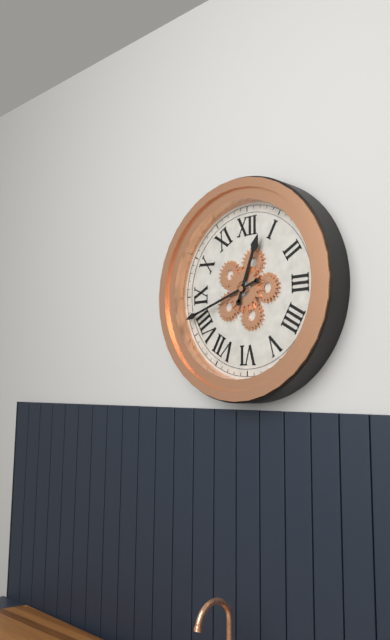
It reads 12:42
